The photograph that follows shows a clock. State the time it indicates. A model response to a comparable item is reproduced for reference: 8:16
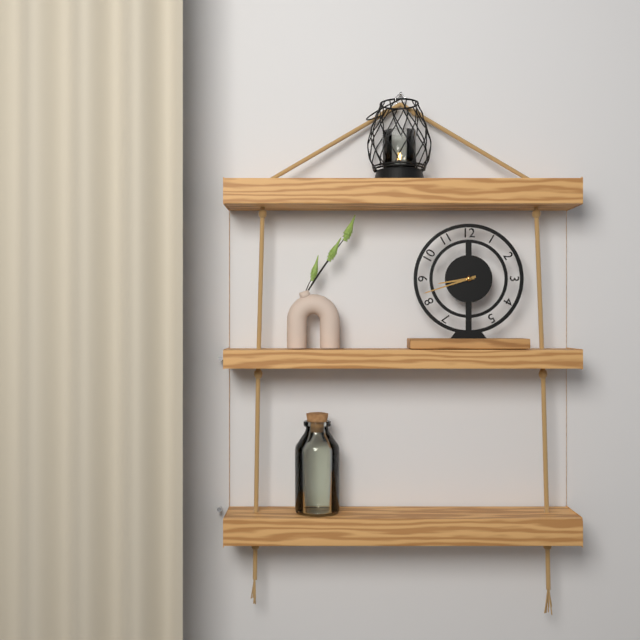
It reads 8:42
